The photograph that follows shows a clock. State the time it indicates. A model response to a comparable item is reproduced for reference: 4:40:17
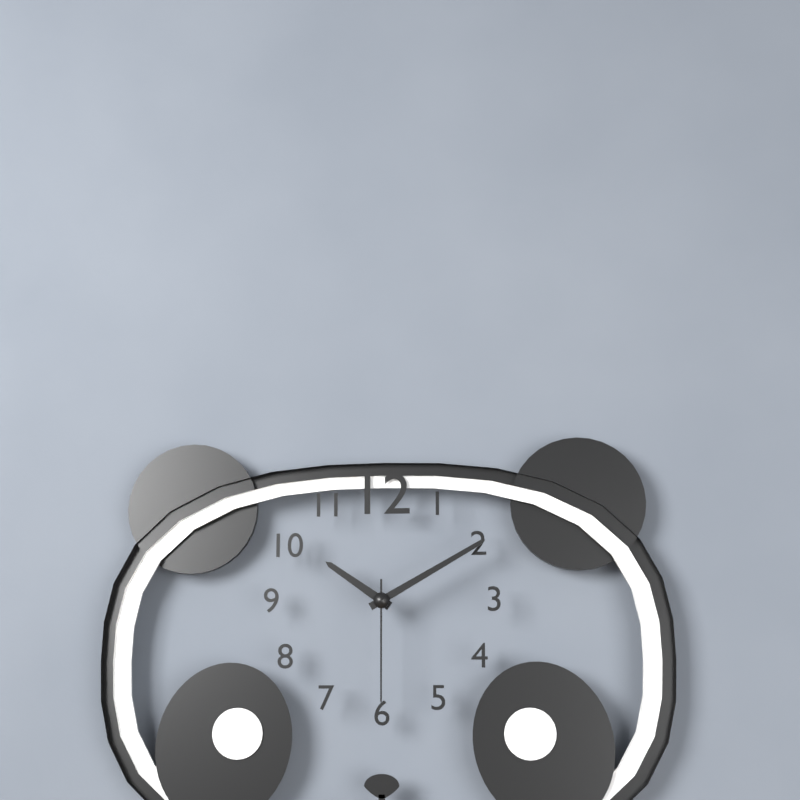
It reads 10:10:30
